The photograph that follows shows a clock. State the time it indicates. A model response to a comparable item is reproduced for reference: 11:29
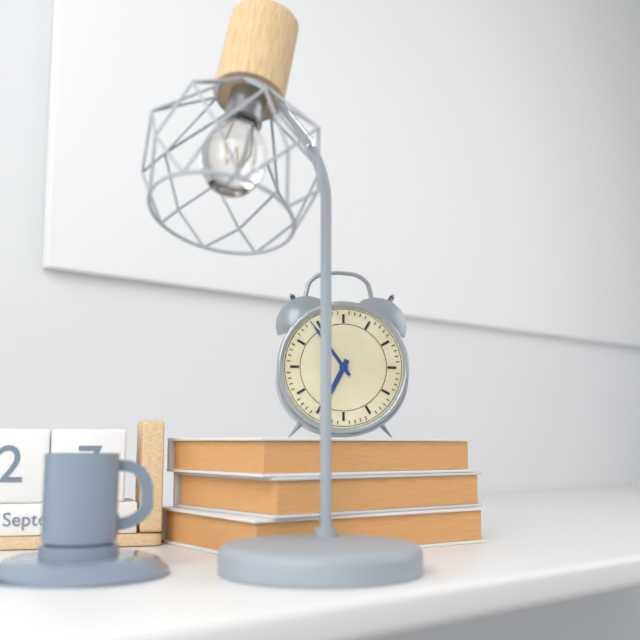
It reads 6:54
